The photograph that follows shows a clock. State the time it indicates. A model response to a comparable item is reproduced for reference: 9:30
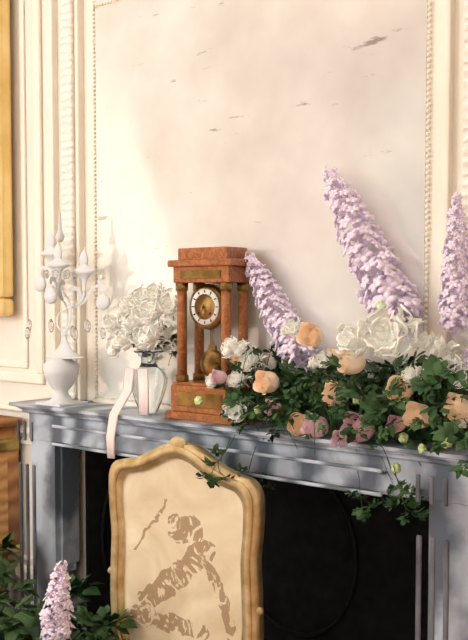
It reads 5:34
